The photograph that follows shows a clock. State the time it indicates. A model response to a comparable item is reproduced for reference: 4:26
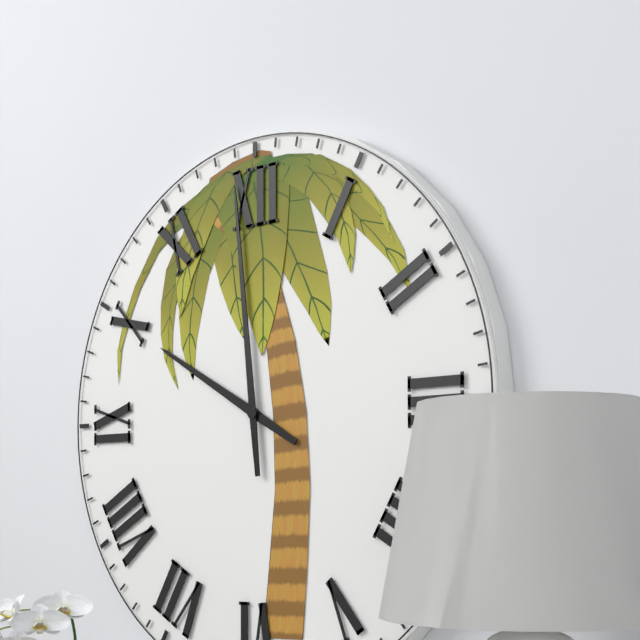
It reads 9:59
